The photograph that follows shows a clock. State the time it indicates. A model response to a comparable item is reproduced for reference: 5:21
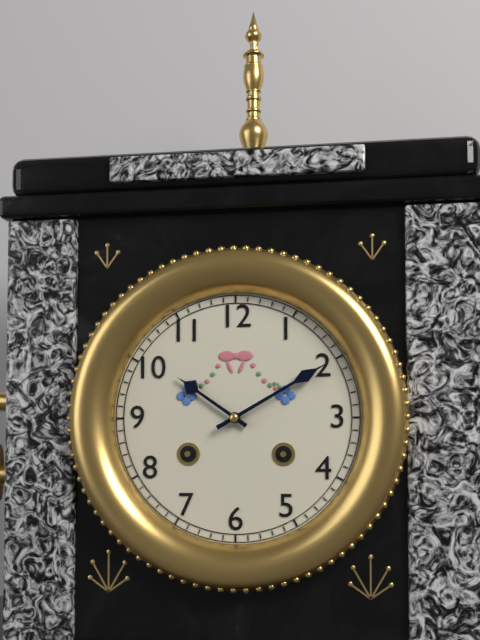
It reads 10:10
